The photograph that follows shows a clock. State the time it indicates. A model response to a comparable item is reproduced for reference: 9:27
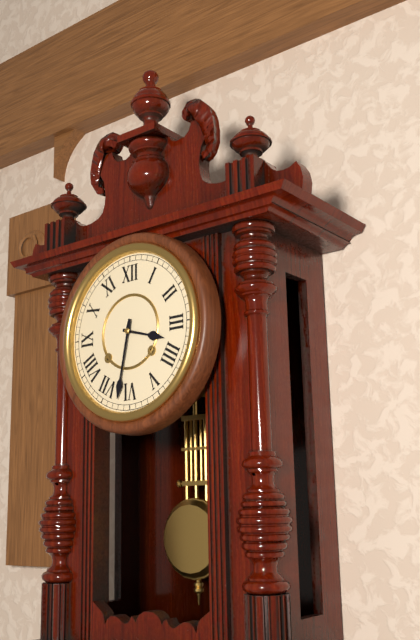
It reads 3:32
